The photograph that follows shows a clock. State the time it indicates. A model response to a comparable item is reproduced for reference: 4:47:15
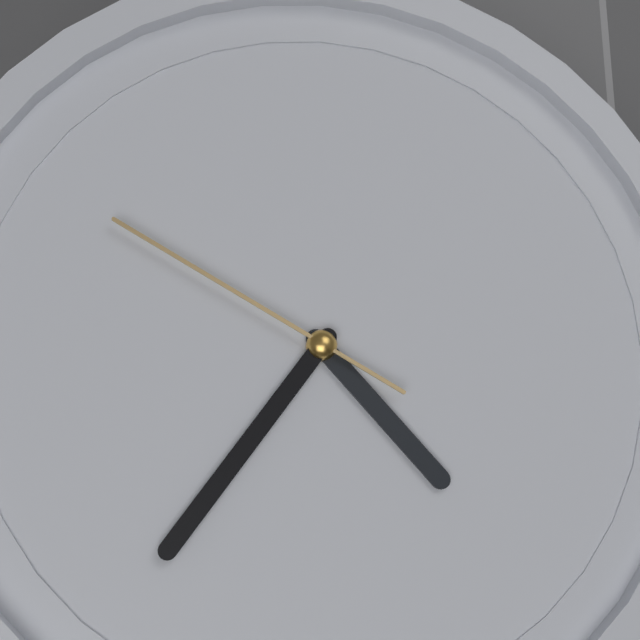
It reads 4:36:50
